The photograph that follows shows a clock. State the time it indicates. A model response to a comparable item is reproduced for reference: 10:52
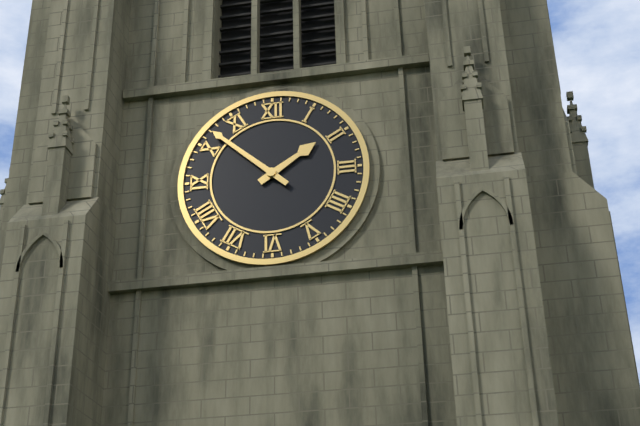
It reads 1:52
